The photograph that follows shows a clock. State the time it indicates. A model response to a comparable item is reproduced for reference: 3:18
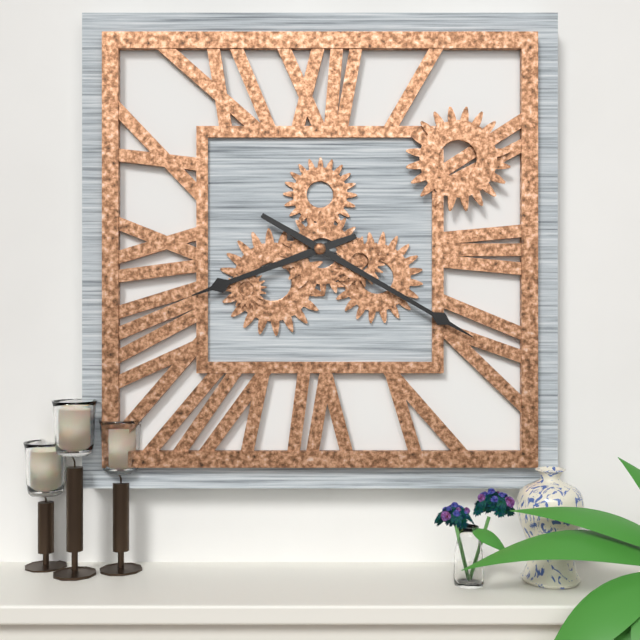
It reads 8:20
